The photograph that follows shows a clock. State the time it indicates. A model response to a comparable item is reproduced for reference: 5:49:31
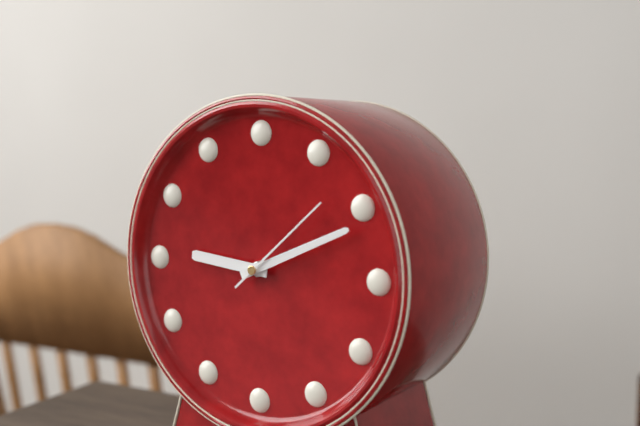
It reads 9:11:08
